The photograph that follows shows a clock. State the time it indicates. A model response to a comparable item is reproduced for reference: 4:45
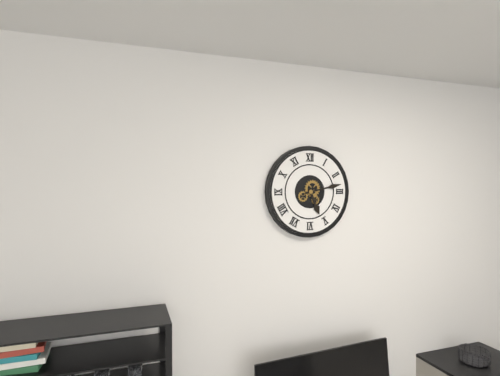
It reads 5:13
